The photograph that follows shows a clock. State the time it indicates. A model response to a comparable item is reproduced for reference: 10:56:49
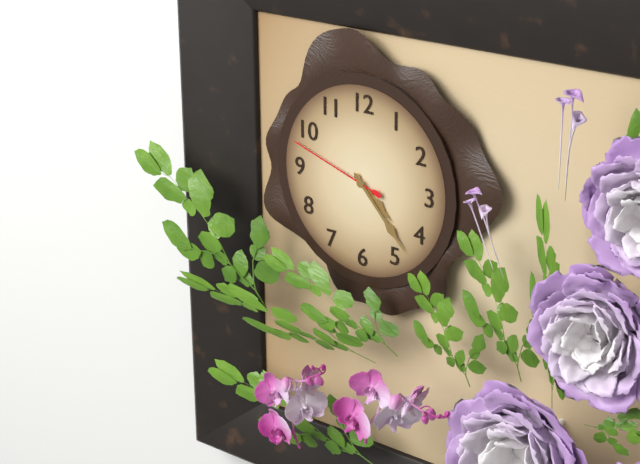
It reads 4:23:48
